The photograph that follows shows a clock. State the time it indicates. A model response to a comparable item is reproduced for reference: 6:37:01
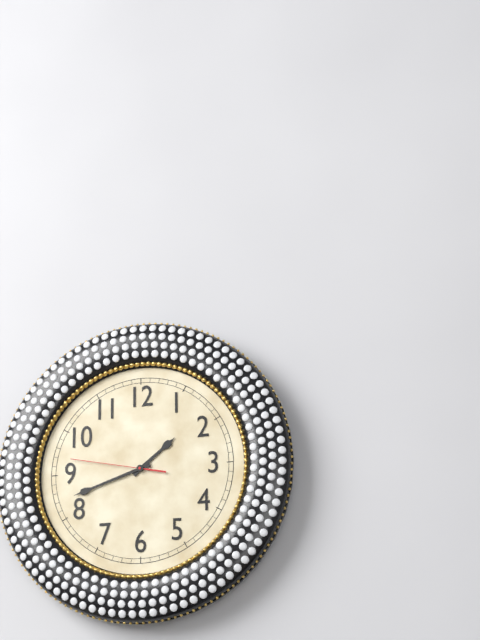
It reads 1:42:47
